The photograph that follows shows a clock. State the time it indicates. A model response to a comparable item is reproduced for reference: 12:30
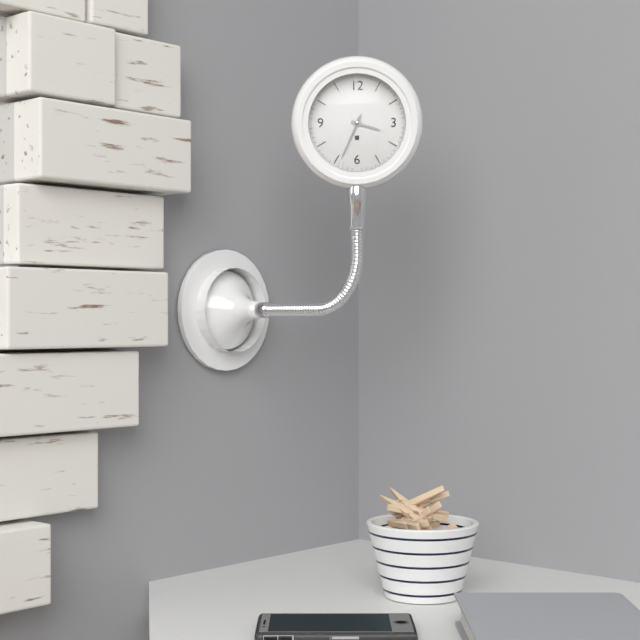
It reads 3:34
